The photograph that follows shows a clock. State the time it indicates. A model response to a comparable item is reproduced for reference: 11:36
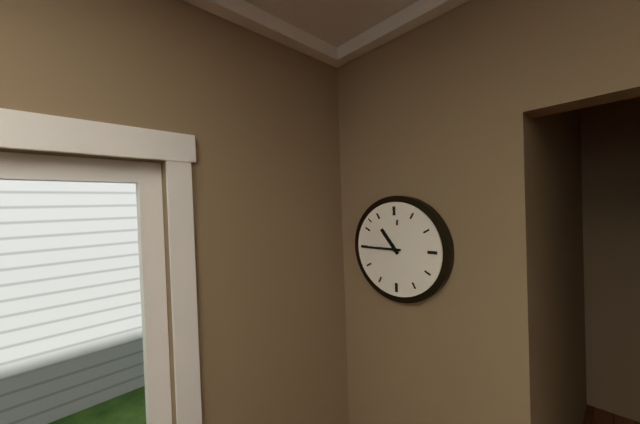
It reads 10:45
